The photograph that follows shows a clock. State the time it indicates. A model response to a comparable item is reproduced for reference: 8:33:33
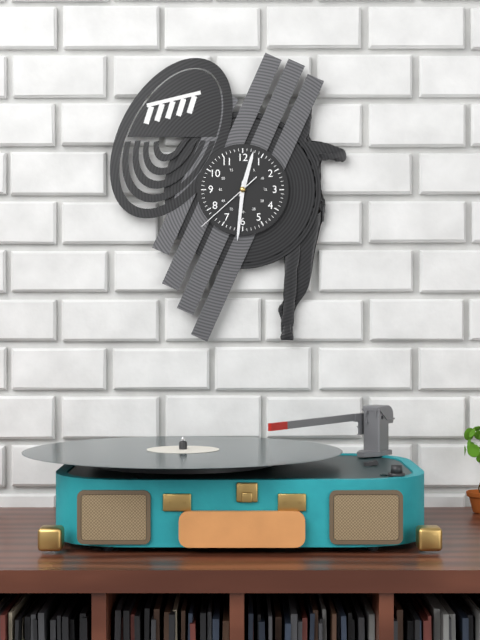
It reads 12:31:38
